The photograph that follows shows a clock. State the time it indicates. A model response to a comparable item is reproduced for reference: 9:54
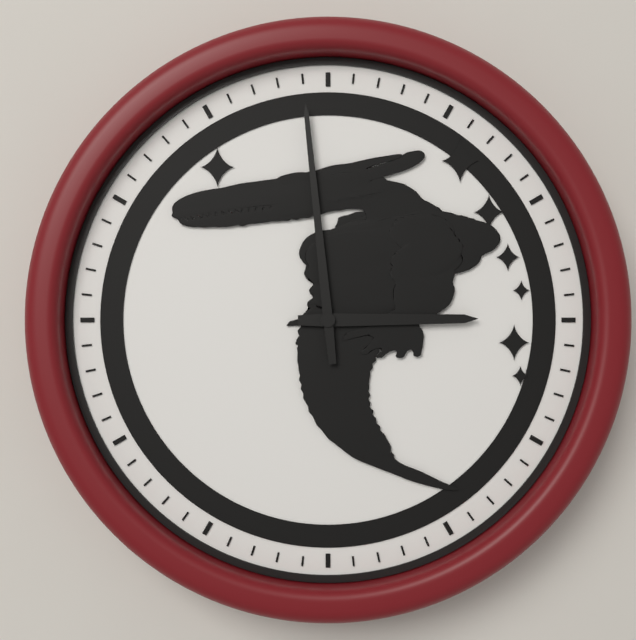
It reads 2:59
